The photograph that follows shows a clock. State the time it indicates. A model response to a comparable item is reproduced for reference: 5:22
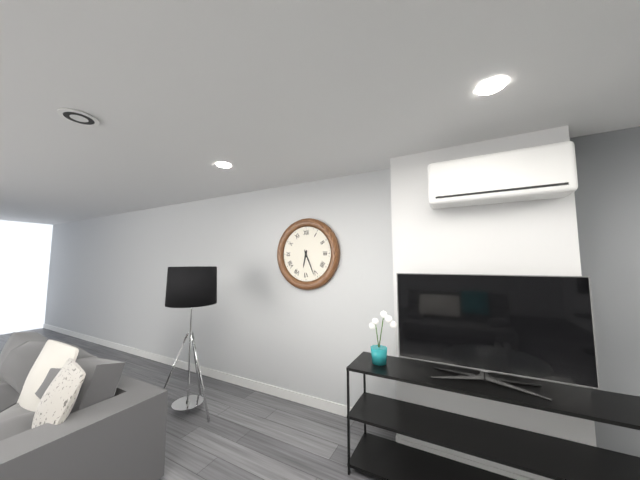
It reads 6:26
